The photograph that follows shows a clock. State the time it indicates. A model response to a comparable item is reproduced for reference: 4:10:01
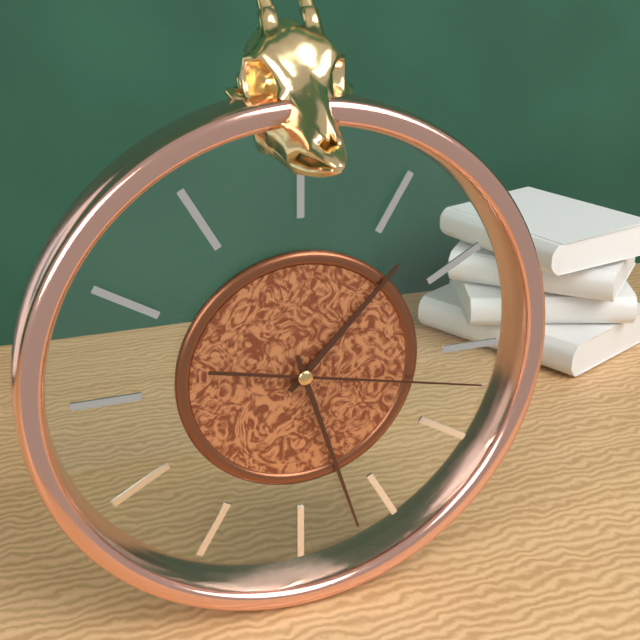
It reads 1:27:17
